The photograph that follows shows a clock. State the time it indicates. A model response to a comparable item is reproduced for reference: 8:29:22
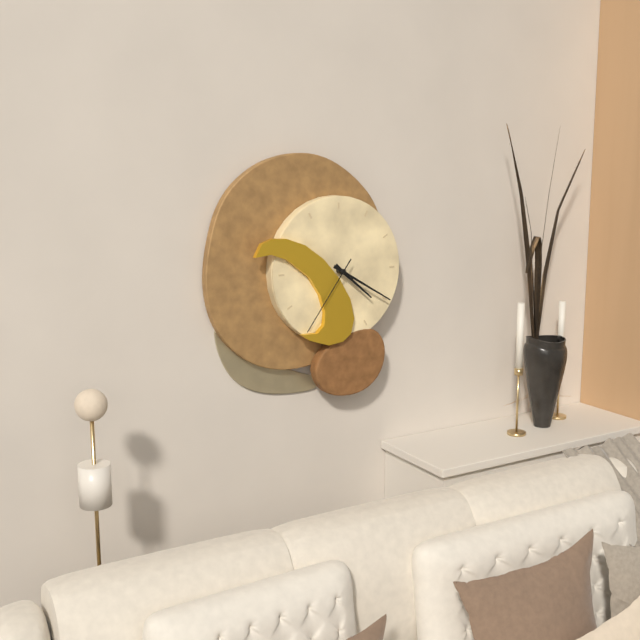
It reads 4:20:36
